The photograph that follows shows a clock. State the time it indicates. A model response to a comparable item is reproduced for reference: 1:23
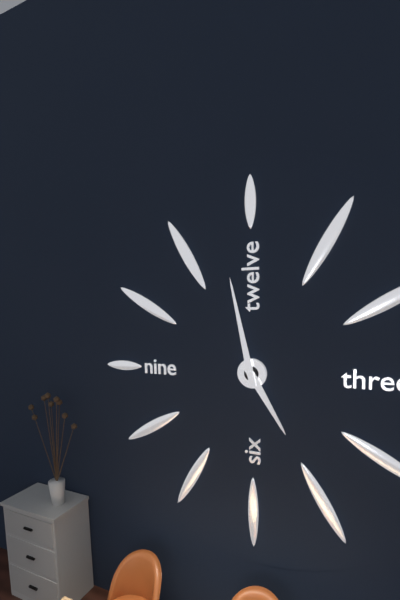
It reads 4:58
